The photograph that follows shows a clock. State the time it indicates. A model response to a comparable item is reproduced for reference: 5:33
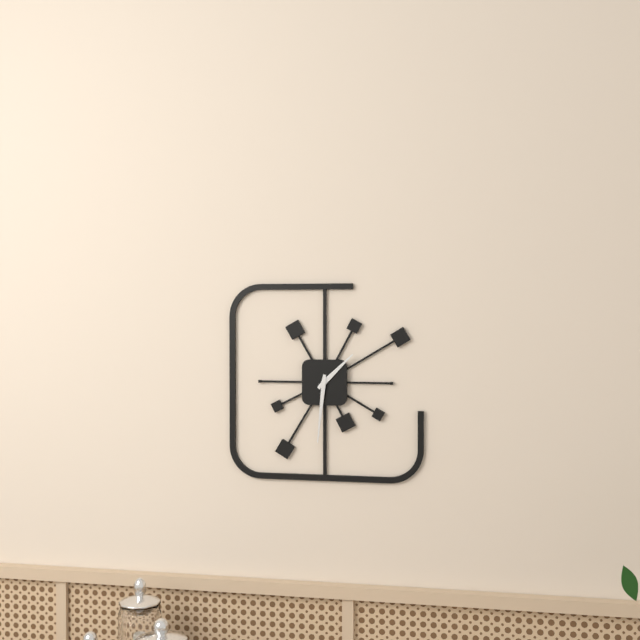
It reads 1:31
